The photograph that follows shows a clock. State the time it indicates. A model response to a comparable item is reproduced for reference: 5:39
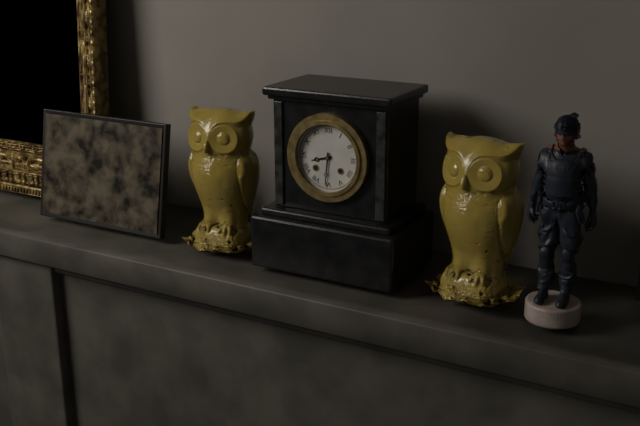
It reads 8:31
